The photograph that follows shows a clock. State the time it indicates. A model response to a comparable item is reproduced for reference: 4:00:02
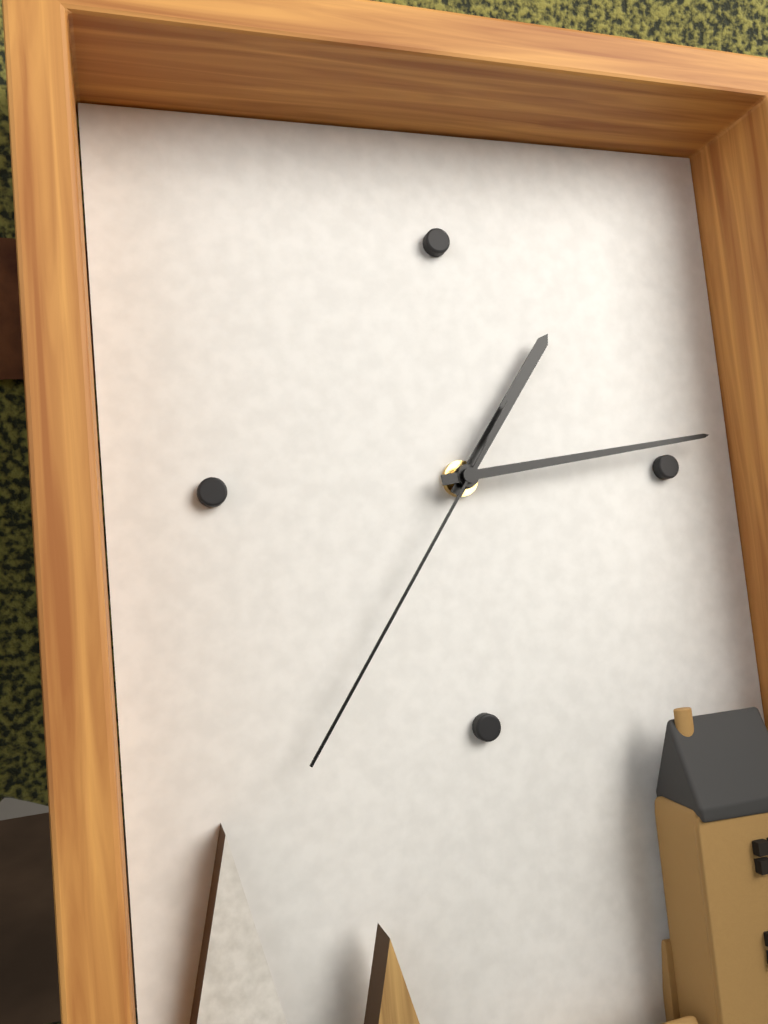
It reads 1:14:36
